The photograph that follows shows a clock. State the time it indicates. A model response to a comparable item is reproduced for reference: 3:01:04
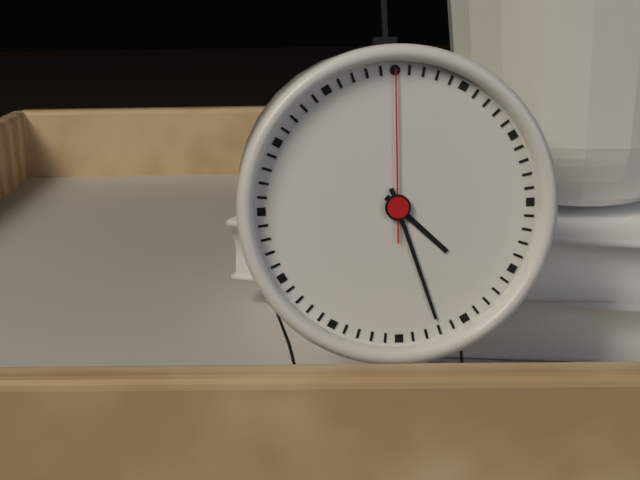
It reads 4:27:00
